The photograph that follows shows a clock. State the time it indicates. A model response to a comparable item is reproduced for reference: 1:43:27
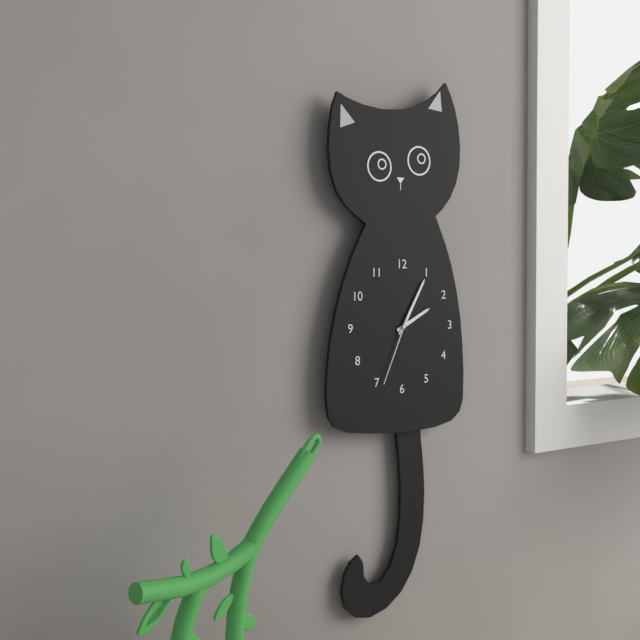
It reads 2:05:34
